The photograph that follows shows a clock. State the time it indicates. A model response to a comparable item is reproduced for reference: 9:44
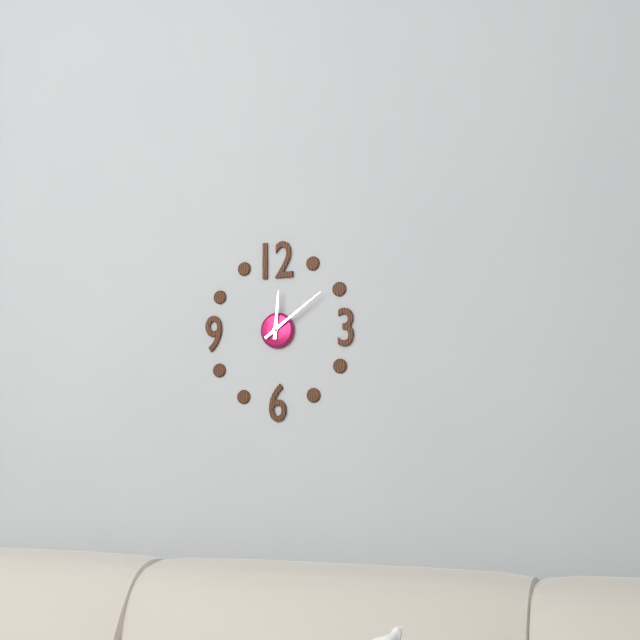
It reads 12:09
